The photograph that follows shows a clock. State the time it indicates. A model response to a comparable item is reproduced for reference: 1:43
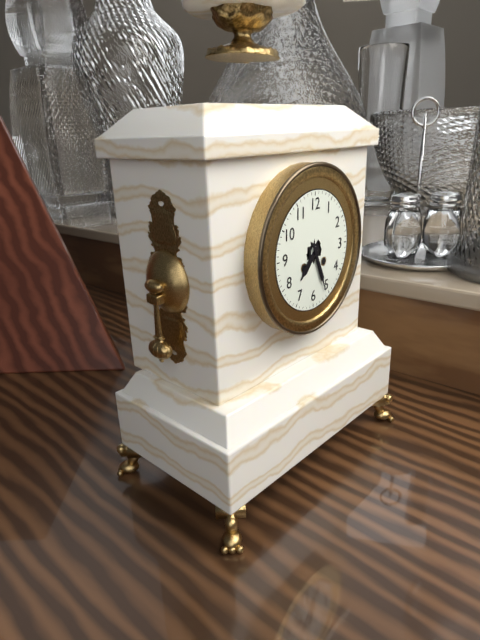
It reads 7:26
